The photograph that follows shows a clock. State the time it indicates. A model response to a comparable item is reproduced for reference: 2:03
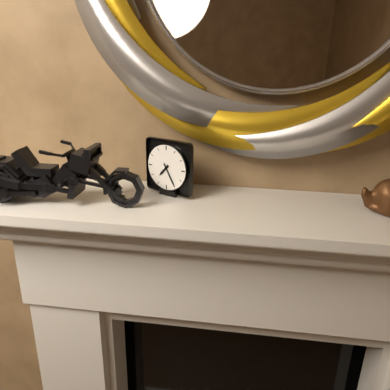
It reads 7:25
